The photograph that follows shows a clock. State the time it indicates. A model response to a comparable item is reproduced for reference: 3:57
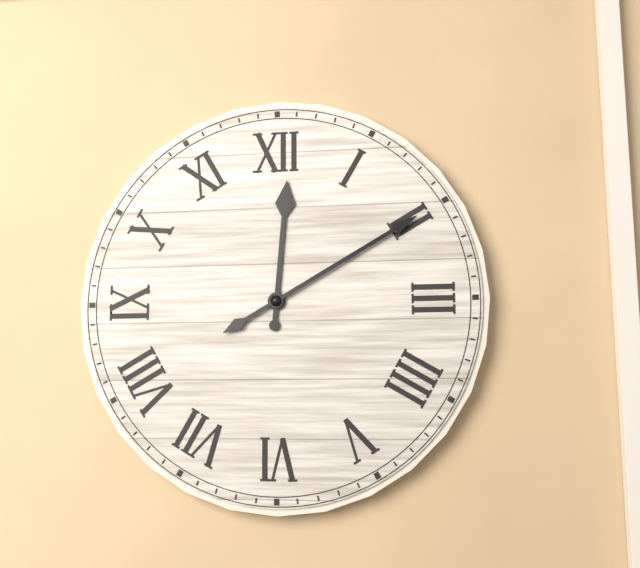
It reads 12:10
